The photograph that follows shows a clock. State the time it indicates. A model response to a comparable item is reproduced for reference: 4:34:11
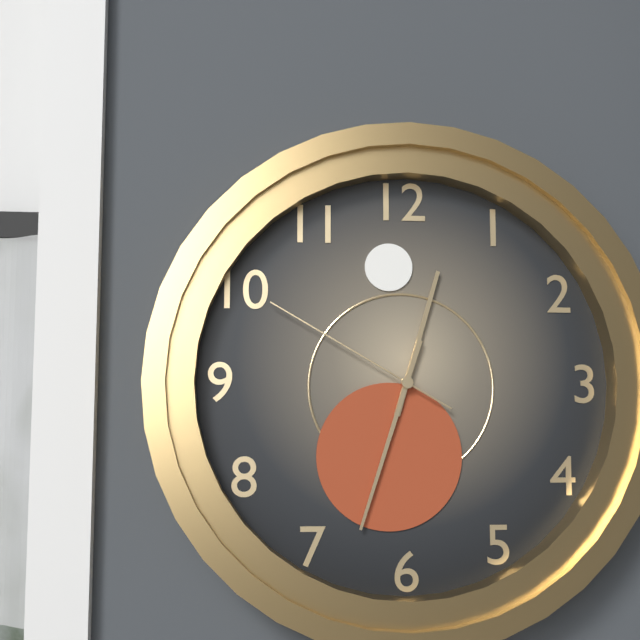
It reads 12:33:50
